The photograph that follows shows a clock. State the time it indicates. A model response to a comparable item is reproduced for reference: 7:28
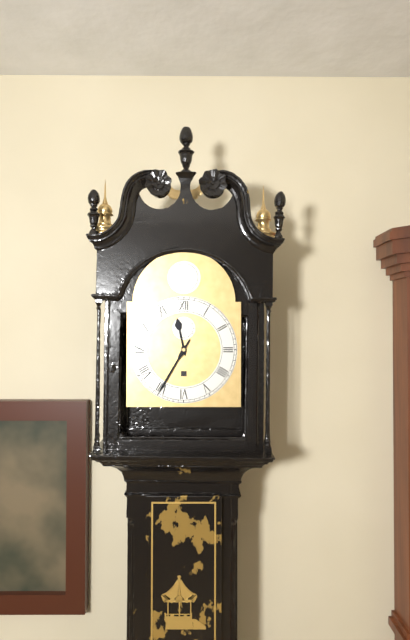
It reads 11:35
